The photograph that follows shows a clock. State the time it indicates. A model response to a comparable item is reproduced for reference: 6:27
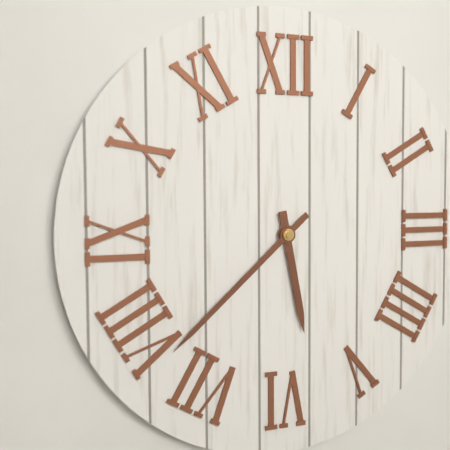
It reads 5:38
